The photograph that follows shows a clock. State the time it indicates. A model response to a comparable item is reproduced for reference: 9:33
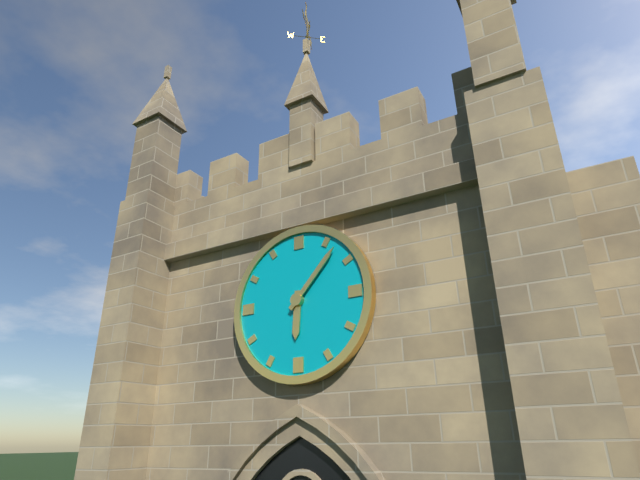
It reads 6:07
